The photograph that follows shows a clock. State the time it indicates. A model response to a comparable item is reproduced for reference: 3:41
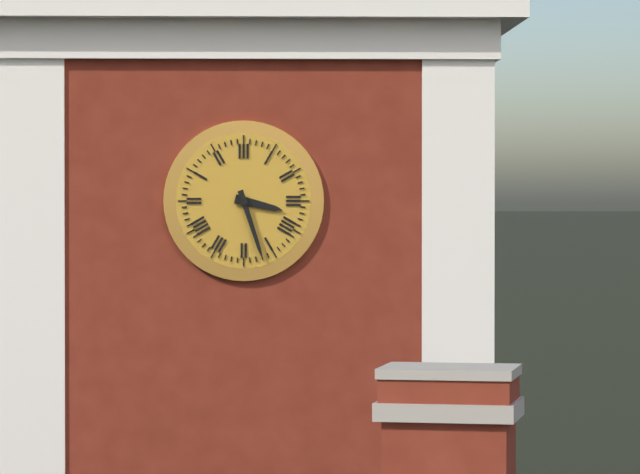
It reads 3:27
